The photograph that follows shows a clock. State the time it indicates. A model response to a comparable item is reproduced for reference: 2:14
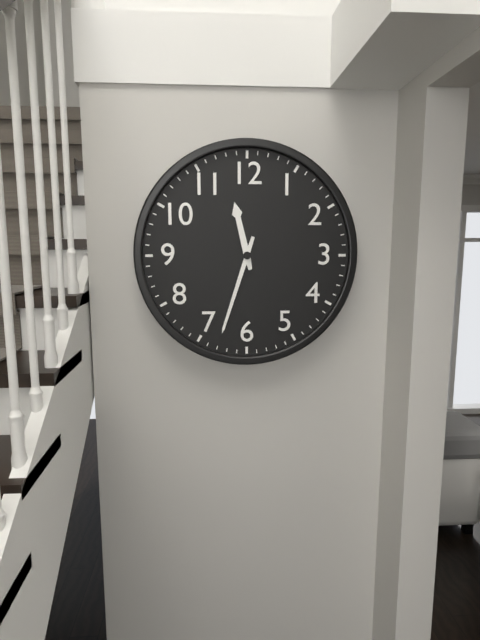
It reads 11:33
